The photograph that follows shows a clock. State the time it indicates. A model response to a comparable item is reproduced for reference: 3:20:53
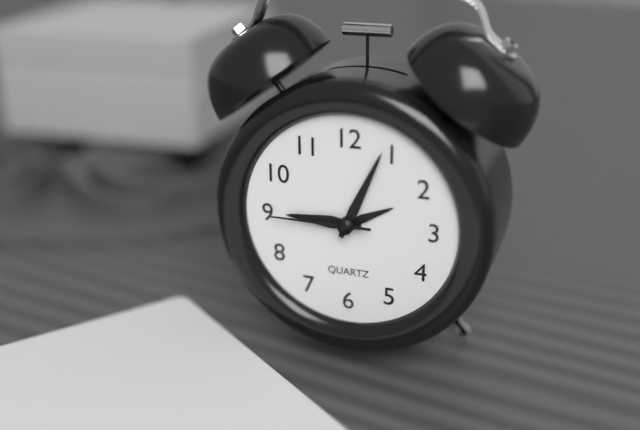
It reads 9:04:45
